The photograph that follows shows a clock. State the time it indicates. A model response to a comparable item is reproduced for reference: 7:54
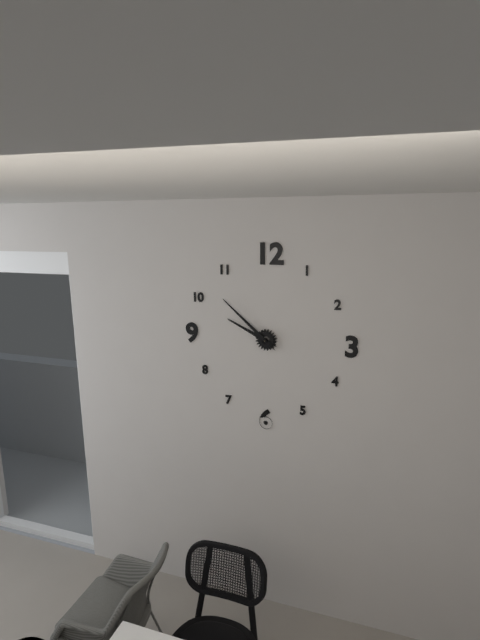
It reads 9:52
